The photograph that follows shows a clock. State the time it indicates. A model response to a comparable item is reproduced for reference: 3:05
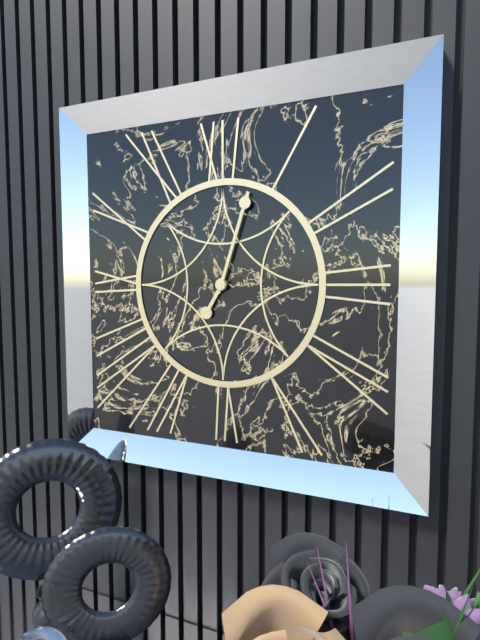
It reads 7:03
